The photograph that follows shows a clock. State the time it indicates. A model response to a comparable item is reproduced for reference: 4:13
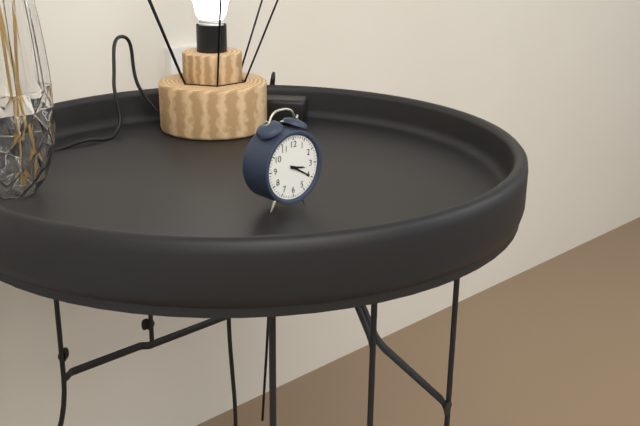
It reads 3:20
